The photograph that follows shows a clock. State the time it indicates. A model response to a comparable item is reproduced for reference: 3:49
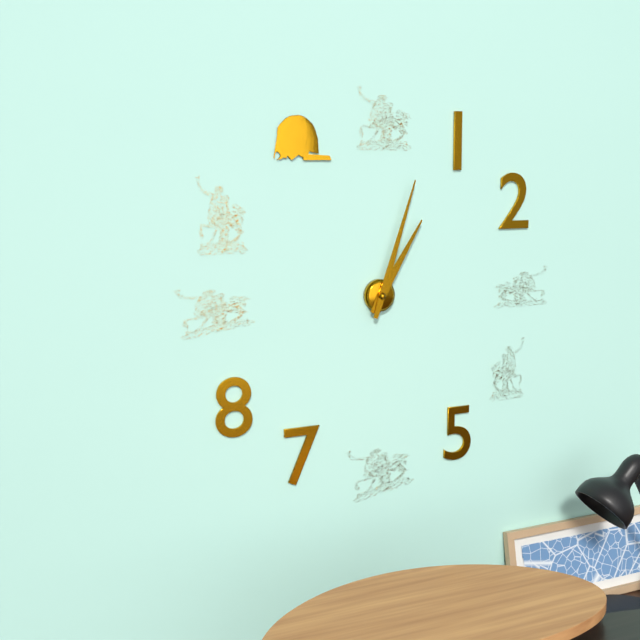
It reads 1:03
